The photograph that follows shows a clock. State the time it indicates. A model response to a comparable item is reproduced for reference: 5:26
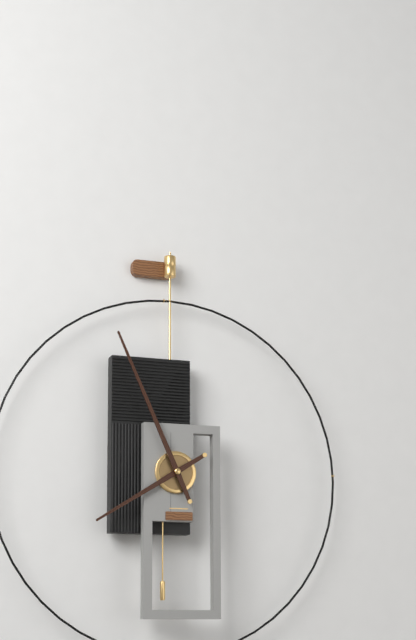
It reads 7:56
